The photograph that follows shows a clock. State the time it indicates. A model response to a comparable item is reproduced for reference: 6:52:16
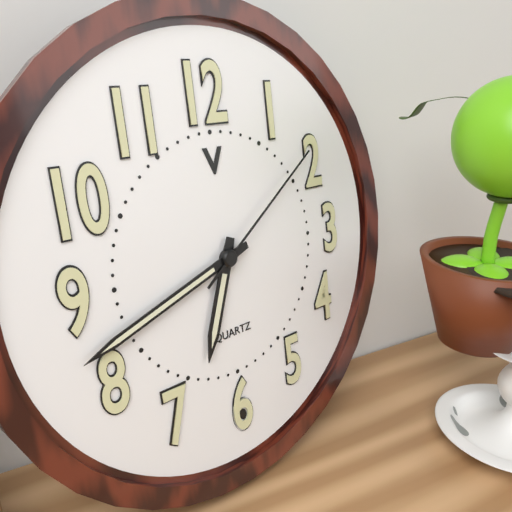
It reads 6:42:09
